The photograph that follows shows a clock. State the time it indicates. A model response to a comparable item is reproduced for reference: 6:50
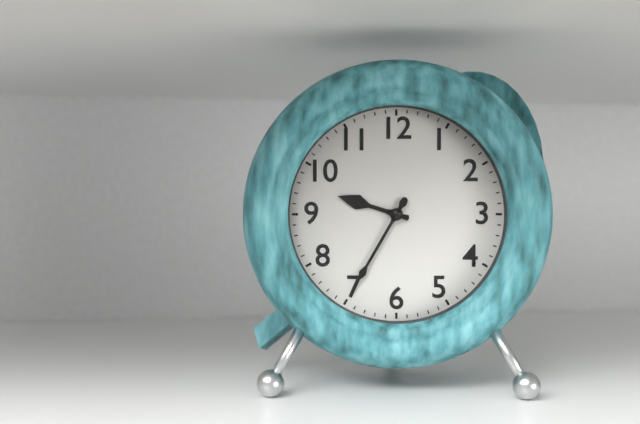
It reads 9:35
